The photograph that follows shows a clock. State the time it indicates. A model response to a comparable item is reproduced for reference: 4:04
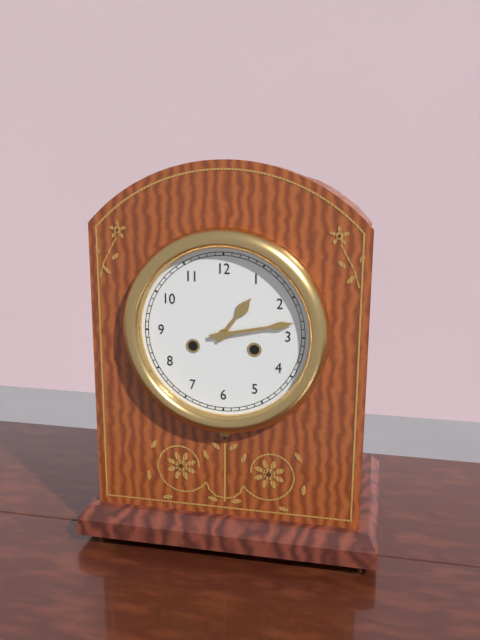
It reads 1:13
